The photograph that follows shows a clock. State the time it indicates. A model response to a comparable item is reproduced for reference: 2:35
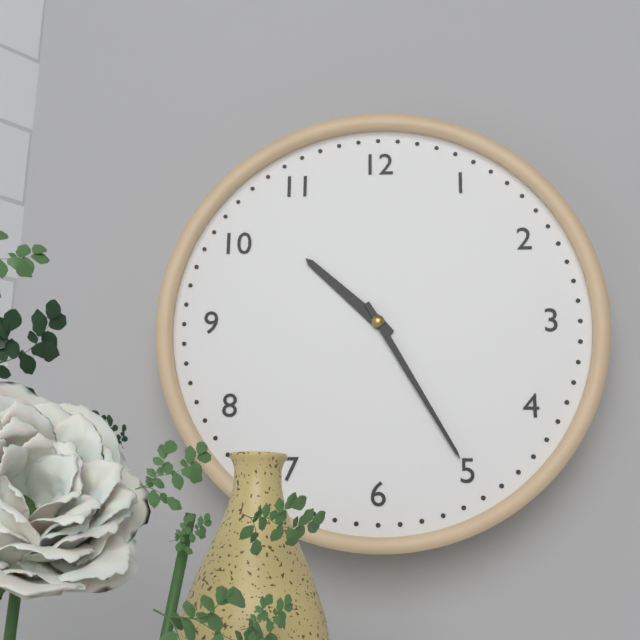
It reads 10:25
